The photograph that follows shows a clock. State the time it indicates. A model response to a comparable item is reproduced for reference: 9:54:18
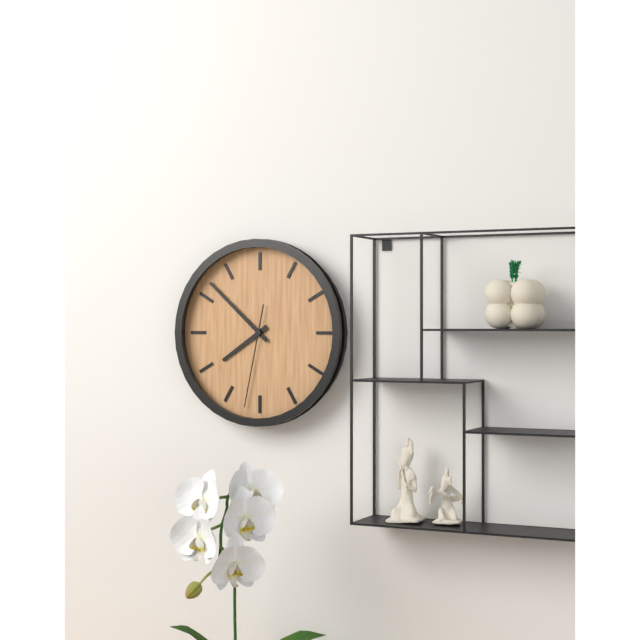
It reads 7:52:32
